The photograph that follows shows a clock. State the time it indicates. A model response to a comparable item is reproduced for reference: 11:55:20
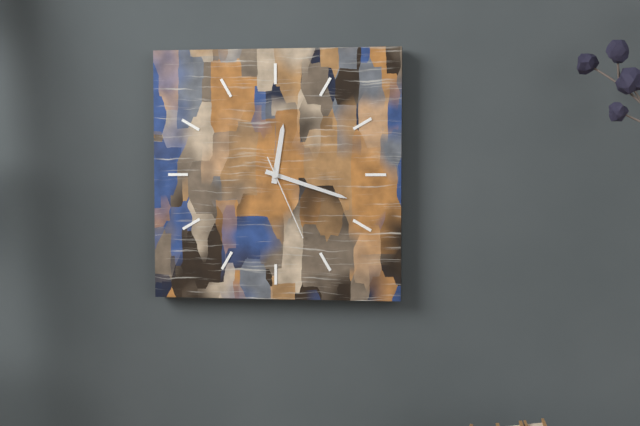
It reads 12:18:26
